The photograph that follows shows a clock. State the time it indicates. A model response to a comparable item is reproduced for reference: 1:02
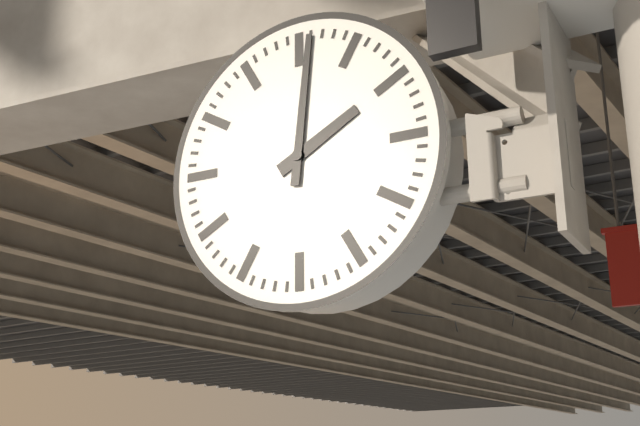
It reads 2:01
